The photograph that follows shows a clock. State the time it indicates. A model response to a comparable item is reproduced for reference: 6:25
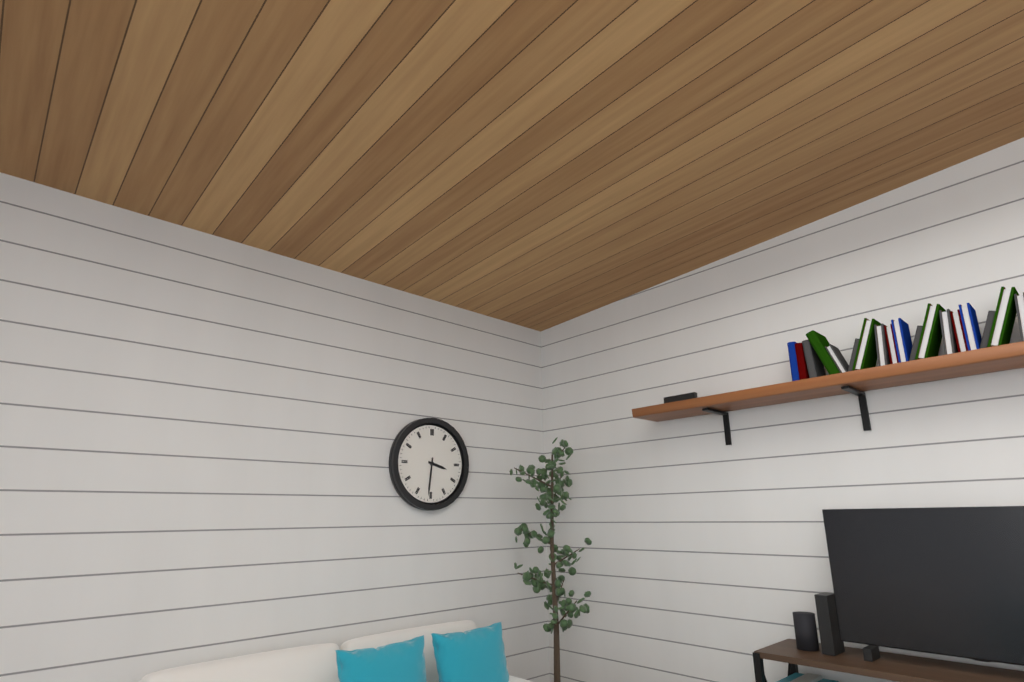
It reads 3:31
